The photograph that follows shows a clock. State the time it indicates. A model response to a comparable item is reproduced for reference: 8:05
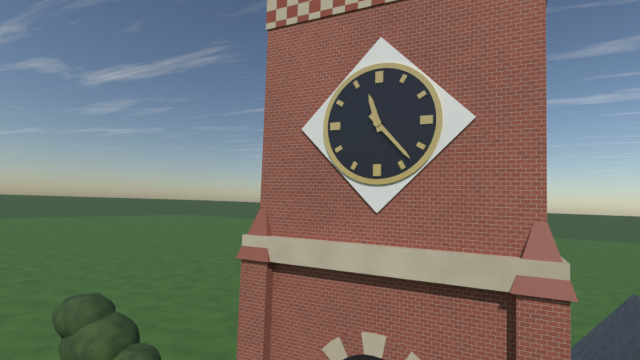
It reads 11:23
